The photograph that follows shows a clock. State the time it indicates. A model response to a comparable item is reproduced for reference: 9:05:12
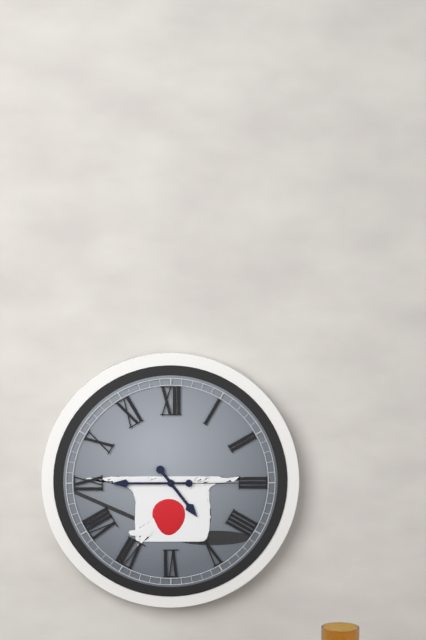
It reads 4:45:15
